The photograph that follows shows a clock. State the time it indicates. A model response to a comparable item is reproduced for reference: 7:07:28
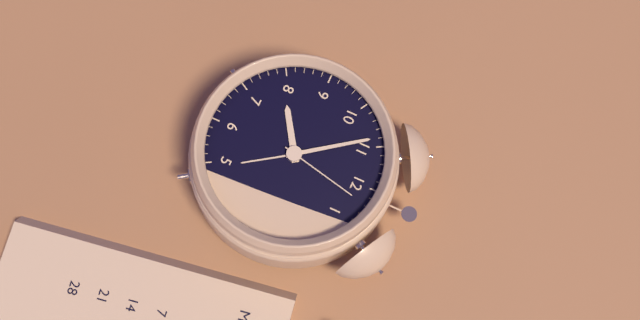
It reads 7:54:02
